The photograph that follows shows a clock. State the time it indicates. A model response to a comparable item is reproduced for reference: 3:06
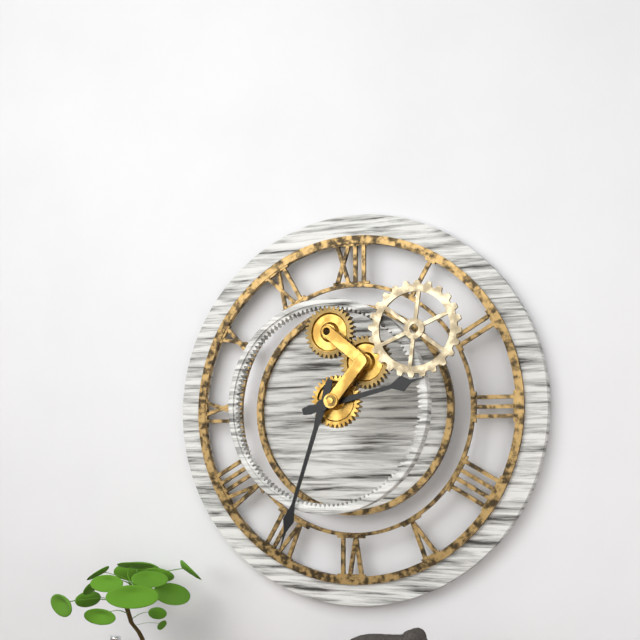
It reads 2:33
